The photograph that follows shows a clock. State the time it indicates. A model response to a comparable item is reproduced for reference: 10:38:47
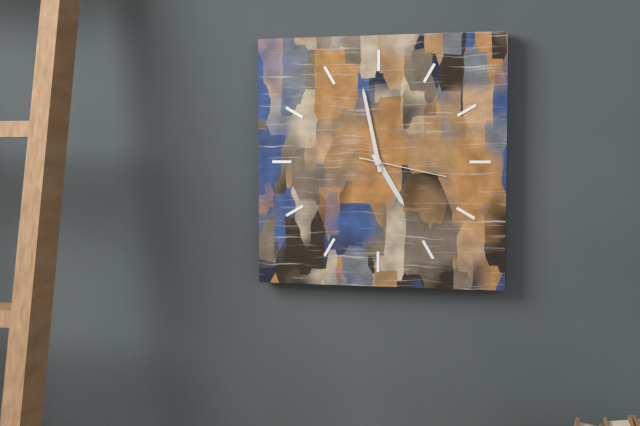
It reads 4:58:17
